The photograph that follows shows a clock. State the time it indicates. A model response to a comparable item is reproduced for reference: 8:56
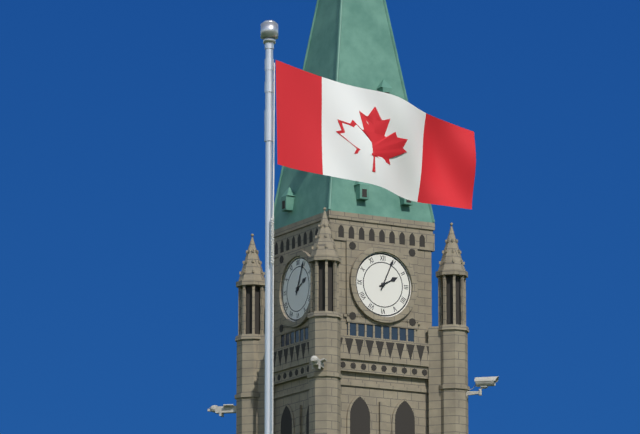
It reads 2:04
